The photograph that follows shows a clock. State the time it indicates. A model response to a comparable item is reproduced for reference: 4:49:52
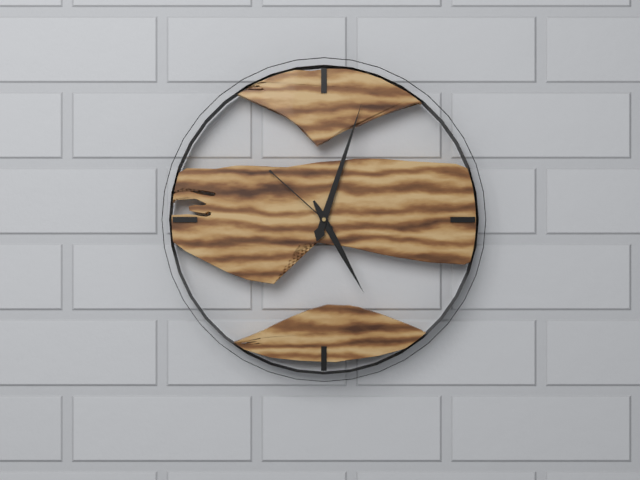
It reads 5:03:52
